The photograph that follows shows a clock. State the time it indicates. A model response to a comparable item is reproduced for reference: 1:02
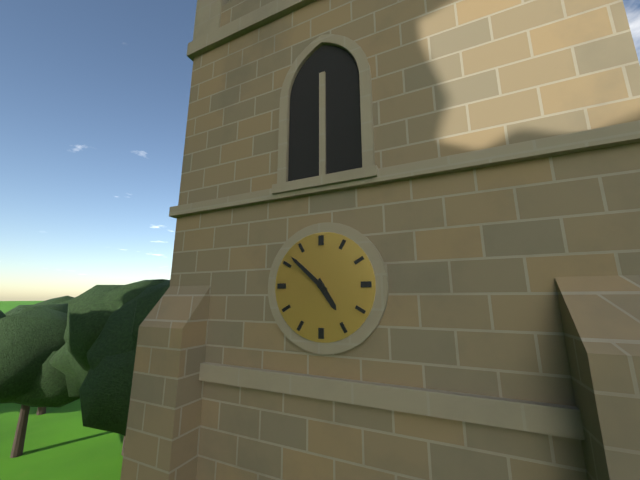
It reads 4:52
